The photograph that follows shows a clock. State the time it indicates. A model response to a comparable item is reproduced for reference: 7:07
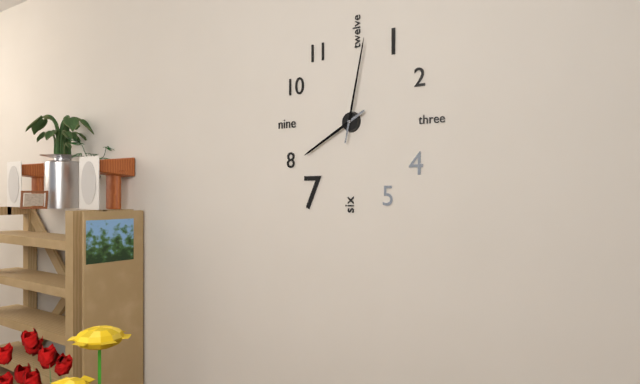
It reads 8:02
